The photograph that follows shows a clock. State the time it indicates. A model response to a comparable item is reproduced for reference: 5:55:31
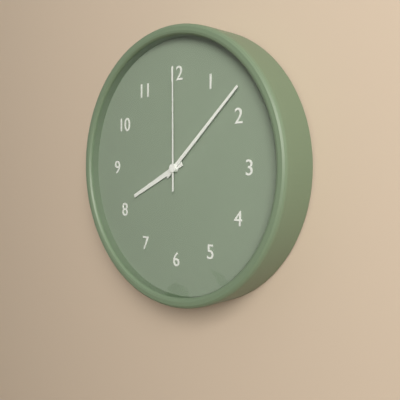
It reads 8:08:00
